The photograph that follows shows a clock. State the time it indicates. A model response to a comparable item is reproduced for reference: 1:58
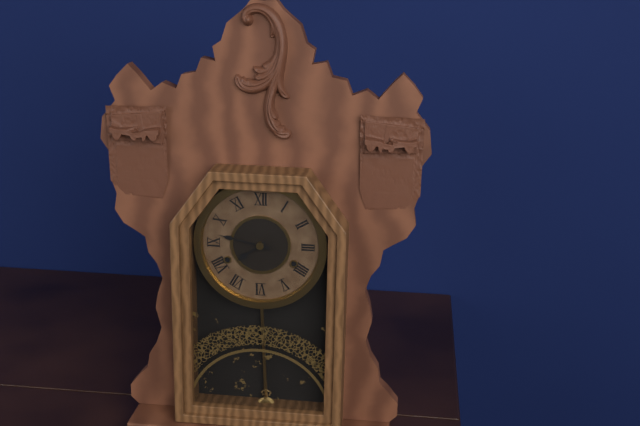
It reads 7:47
